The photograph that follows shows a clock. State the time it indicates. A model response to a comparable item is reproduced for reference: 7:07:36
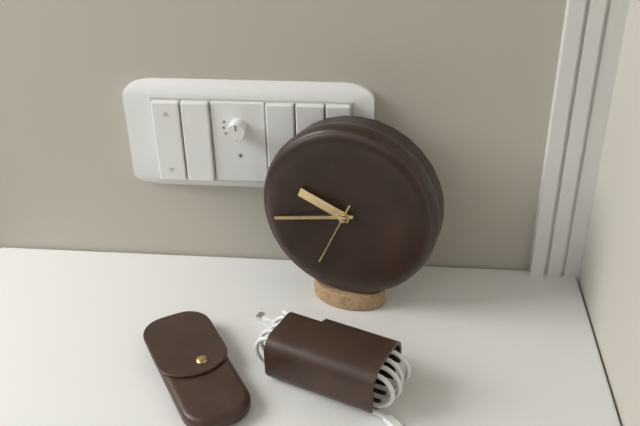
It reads 9:43:34
